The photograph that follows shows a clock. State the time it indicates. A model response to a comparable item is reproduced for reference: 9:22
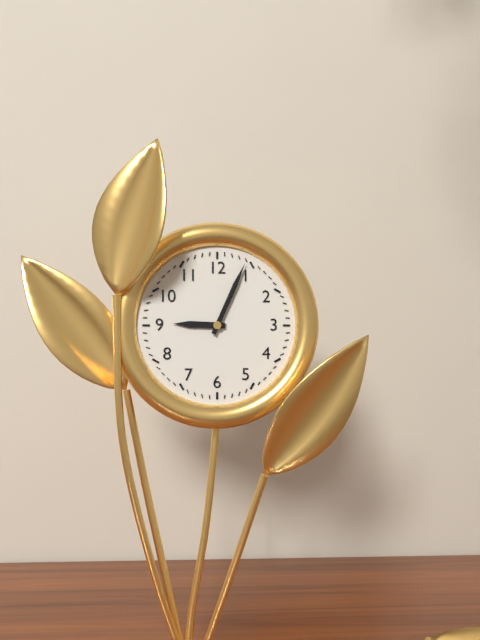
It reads 9:04
